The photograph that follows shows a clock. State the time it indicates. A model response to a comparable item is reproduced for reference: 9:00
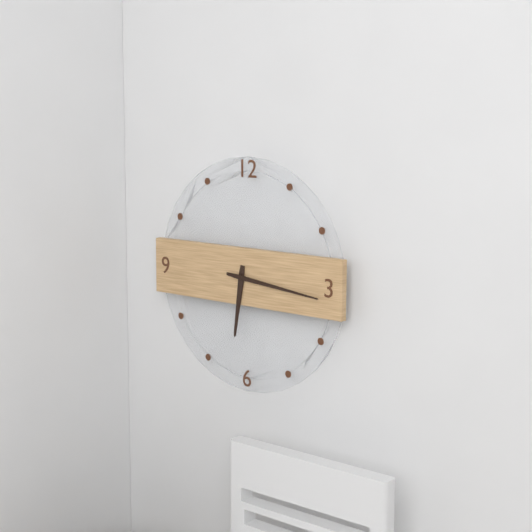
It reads 6:16
